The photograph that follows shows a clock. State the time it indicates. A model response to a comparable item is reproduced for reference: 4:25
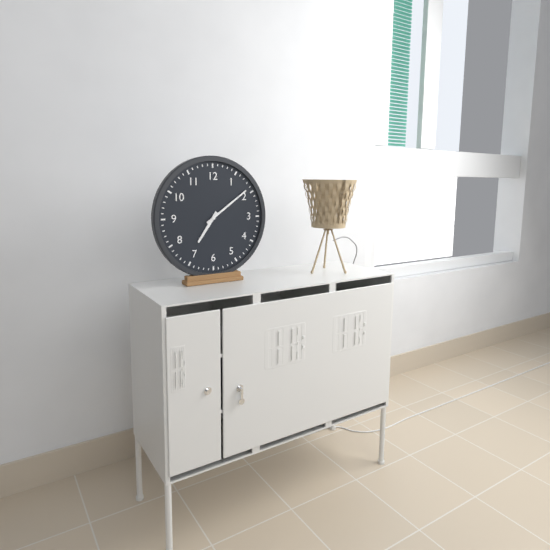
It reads 7:09
